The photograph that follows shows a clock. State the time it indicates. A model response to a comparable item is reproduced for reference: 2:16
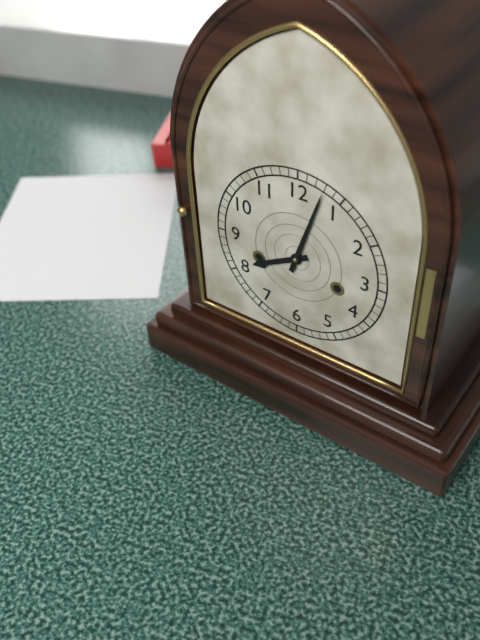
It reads 8:03
